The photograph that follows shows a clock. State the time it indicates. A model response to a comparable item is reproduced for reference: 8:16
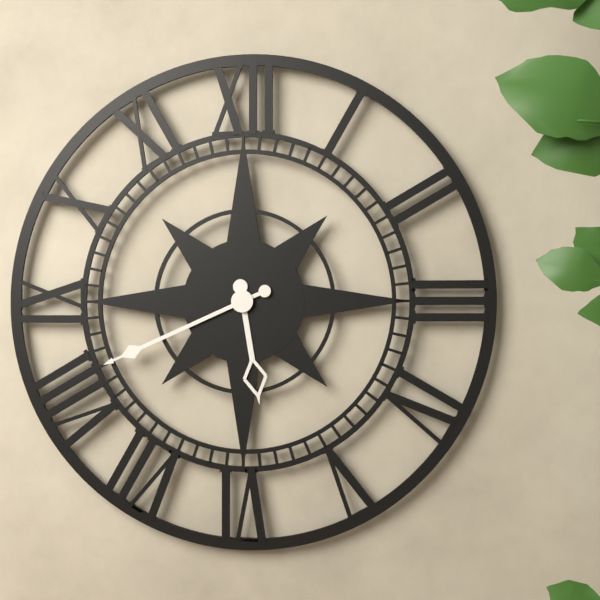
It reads 5:41
